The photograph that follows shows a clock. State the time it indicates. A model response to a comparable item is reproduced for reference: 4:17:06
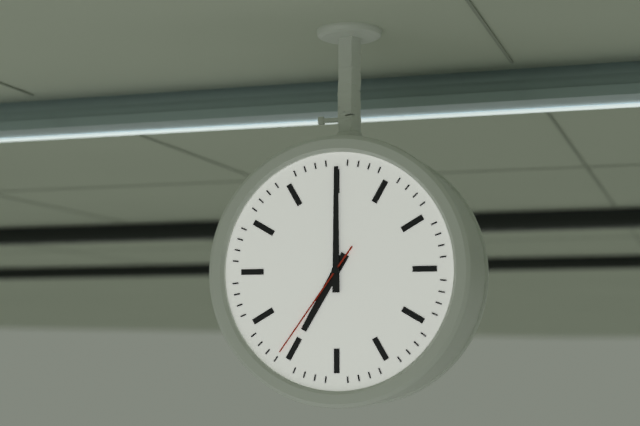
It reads 7:00:36
